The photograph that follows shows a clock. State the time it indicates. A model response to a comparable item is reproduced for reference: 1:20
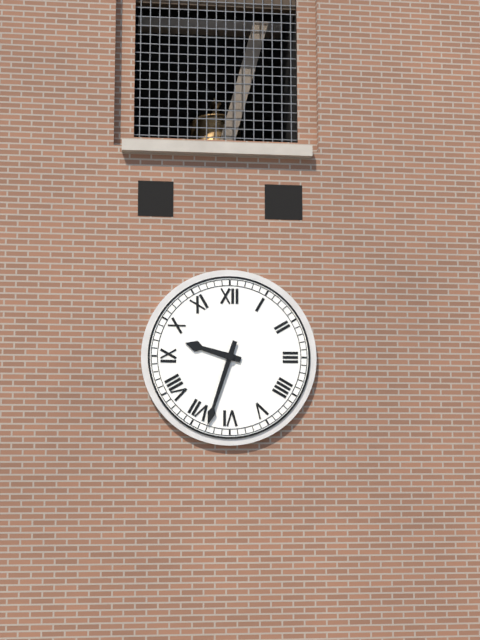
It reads 9:33
